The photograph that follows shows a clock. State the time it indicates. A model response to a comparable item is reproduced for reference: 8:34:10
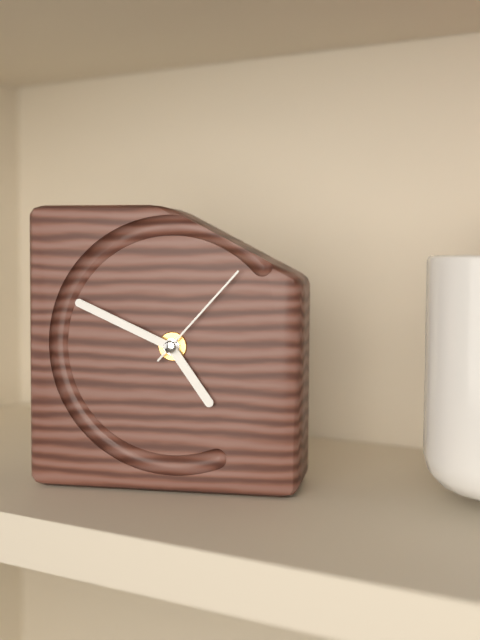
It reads 4:49:07
